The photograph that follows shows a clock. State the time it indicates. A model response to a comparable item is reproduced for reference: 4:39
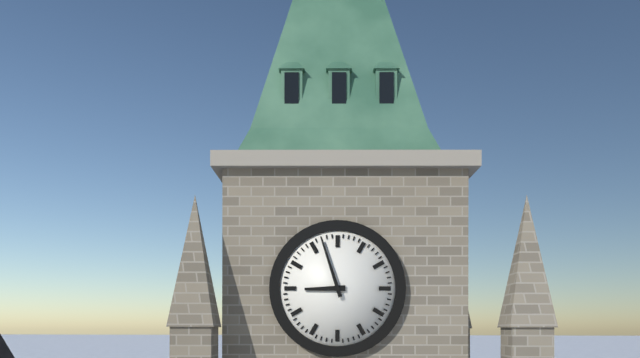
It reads 8:57
